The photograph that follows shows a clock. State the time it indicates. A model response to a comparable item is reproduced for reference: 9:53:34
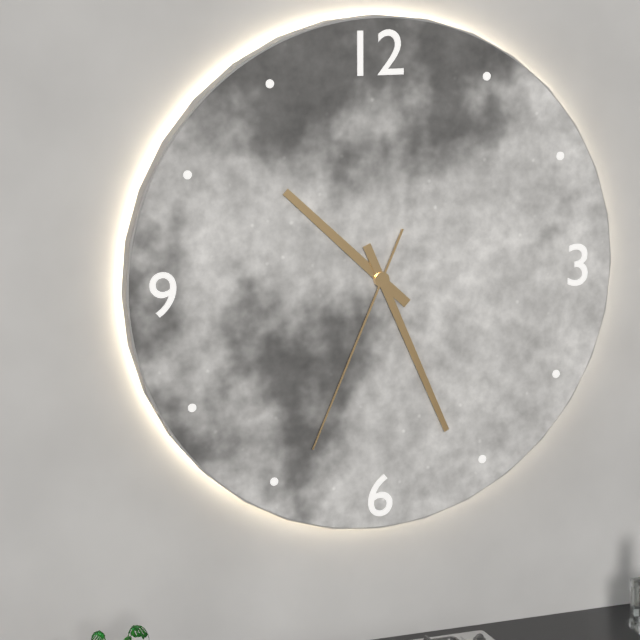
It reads 10:26:34
